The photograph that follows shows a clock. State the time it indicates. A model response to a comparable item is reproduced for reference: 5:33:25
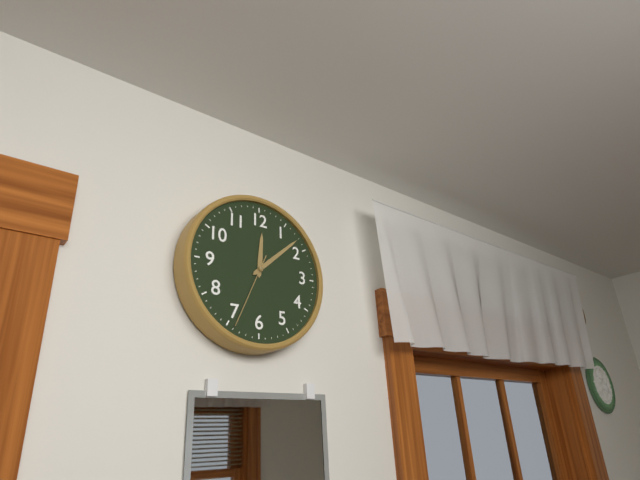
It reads 12:08:34
